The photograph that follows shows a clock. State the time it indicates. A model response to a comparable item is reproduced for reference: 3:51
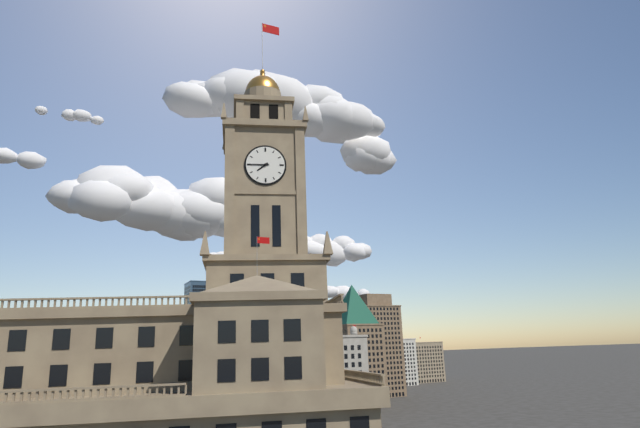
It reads 7:45
